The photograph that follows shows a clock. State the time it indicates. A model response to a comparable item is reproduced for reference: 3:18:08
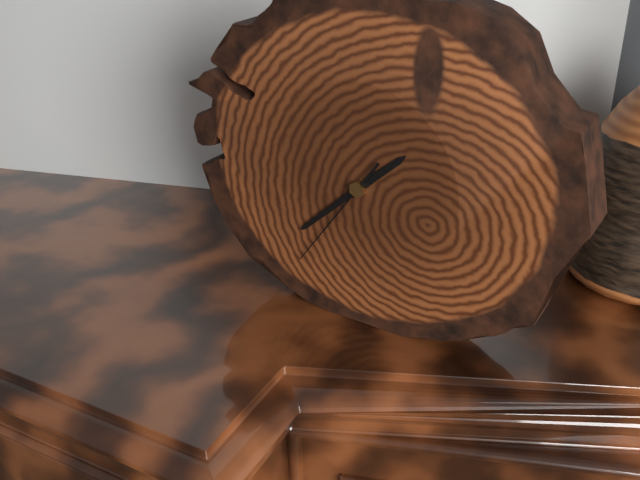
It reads 1:38:36
